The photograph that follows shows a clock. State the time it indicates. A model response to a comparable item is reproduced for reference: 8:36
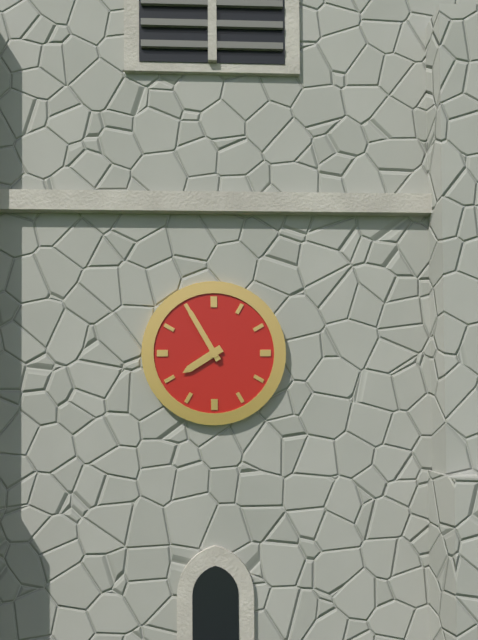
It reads 7:55
